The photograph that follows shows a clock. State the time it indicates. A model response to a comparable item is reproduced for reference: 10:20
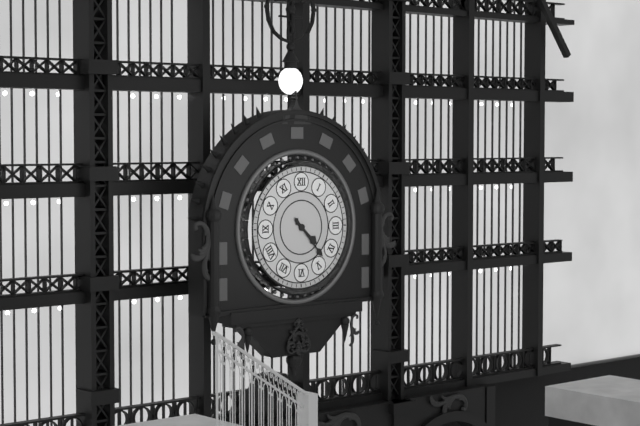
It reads 4:23
